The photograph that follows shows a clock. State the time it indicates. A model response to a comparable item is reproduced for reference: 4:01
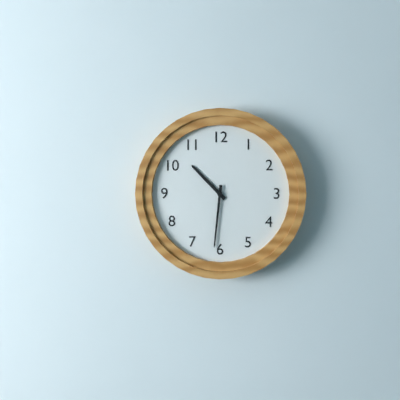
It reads 10:31
